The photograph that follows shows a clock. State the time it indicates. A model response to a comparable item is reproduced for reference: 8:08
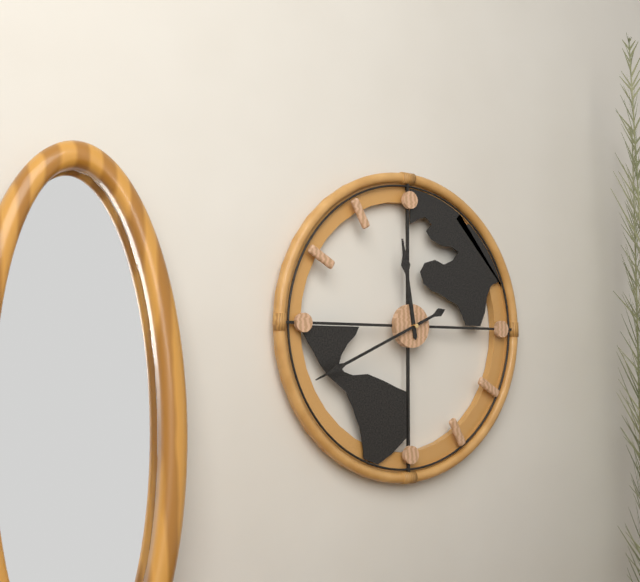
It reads 11:41
